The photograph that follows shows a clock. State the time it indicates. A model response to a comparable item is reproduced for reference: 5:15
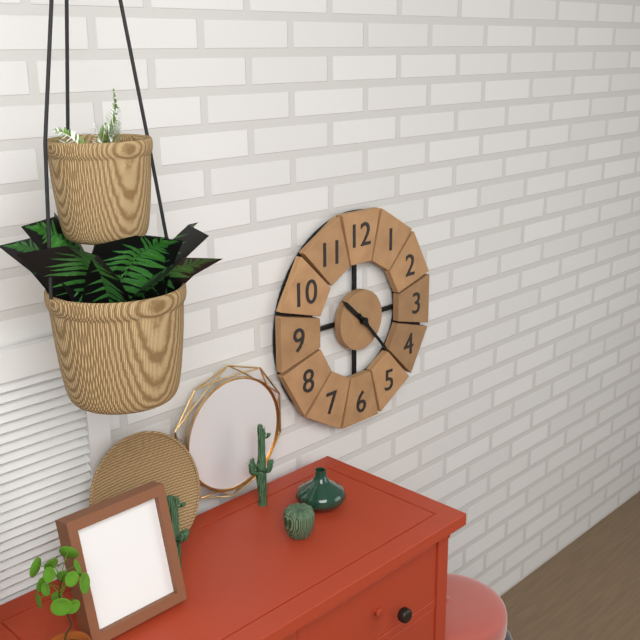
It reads 10:23
